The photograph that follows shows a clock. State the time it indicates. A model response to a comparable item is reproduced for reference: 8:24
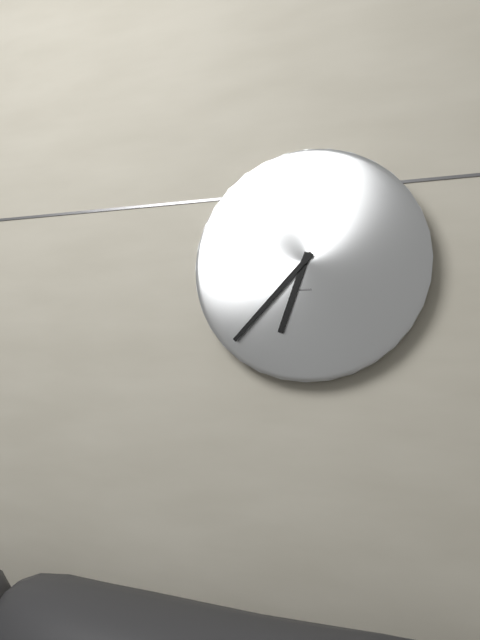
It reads 6:37
